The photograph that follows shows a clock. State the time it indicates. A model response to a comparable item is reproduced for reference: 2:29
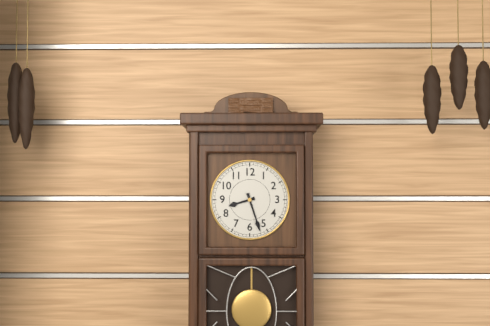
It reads 8:27
